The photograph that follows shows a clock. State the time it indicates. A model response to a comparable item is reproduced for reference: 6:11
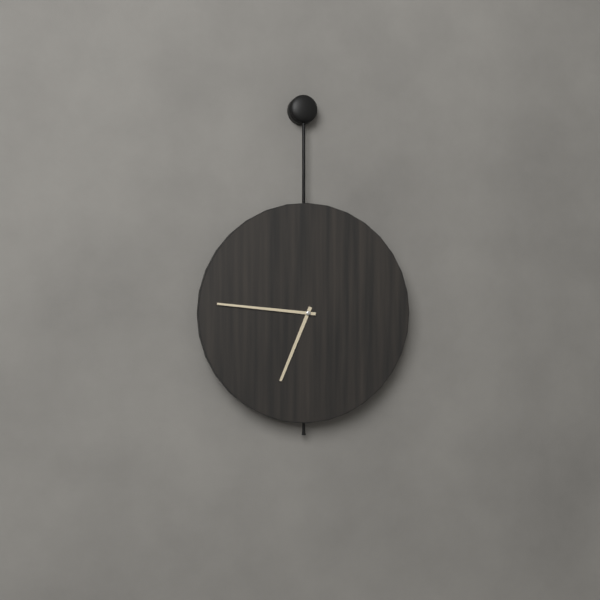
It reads 6:46
